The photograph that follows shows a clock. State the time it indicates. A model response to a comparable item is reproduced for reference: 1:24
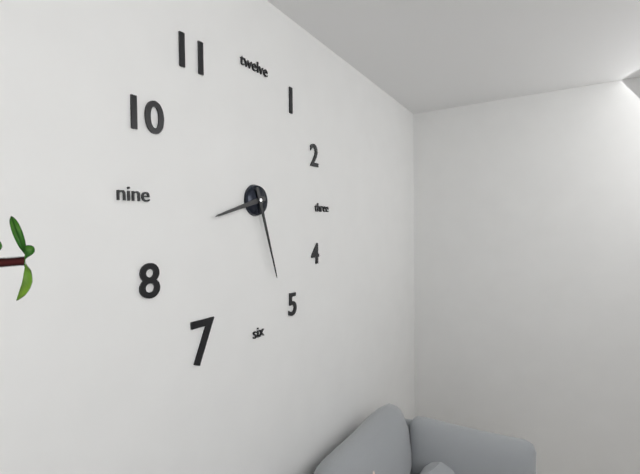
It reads 8:27
